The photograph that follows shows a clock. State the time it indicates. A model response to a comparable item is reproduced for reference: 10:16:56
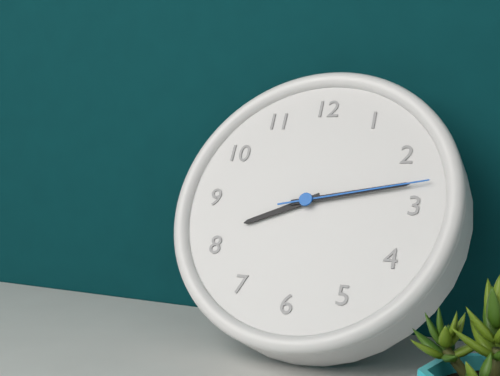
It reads 8:13:13
